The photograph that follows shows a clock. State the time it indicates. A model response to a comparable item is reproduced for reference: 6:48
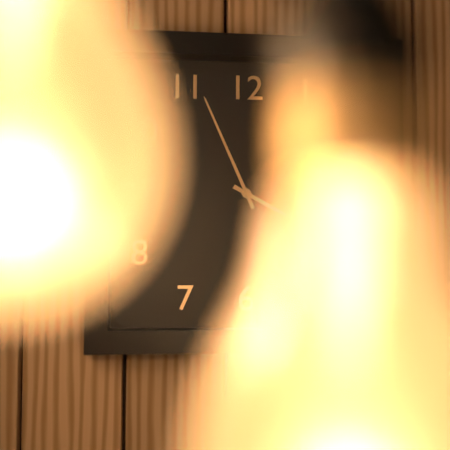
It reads 3:56
